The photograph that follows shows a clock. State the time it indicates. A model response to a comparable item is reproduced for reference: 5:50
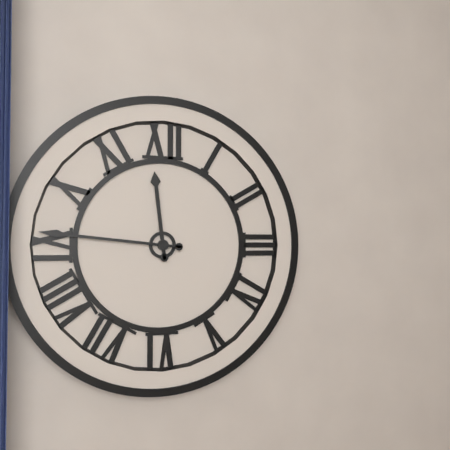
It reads 11:46
